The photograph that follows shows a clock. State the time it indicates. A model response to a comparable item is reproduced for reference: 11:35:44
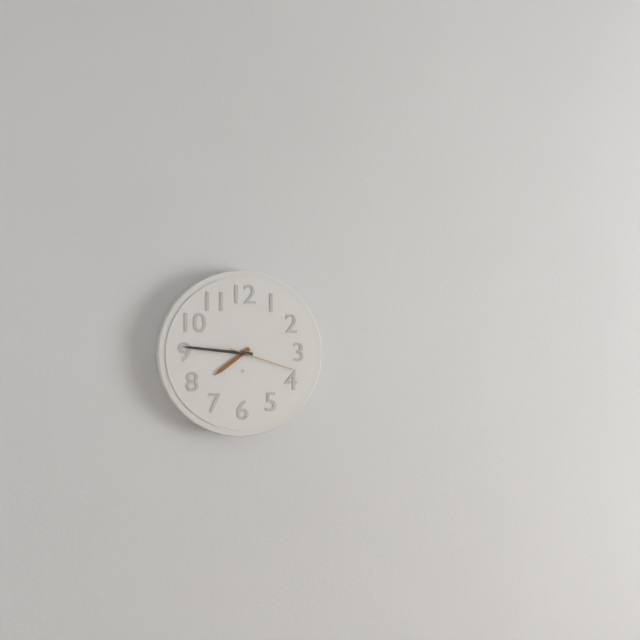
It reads 7:46:18
